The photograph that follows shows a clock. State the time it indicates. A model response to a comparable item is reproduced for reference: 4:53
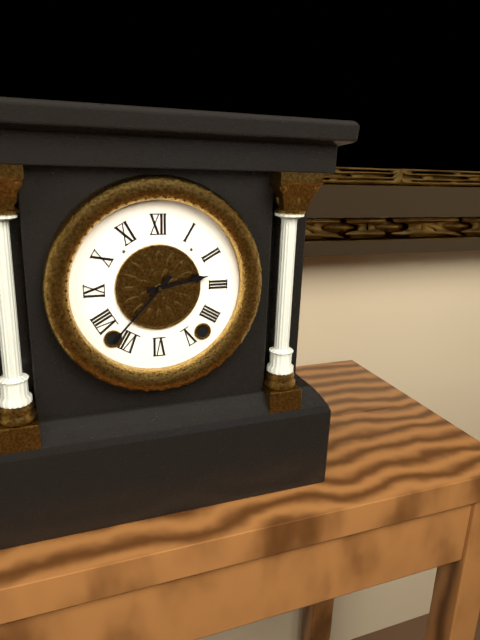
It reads 2:37
